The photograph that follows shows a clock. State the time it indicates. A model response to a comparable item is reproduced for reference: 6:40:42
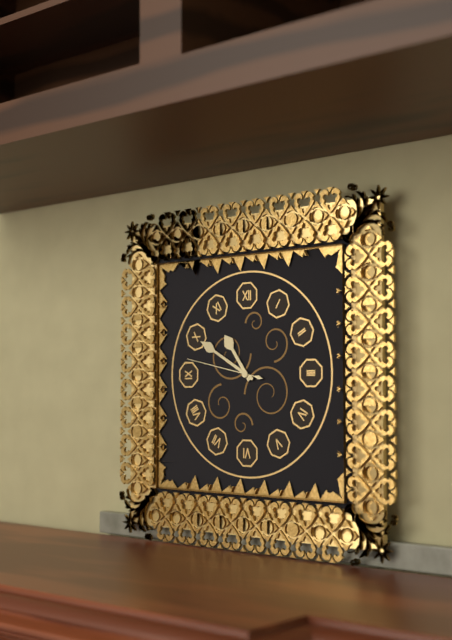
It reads 10:50:47
